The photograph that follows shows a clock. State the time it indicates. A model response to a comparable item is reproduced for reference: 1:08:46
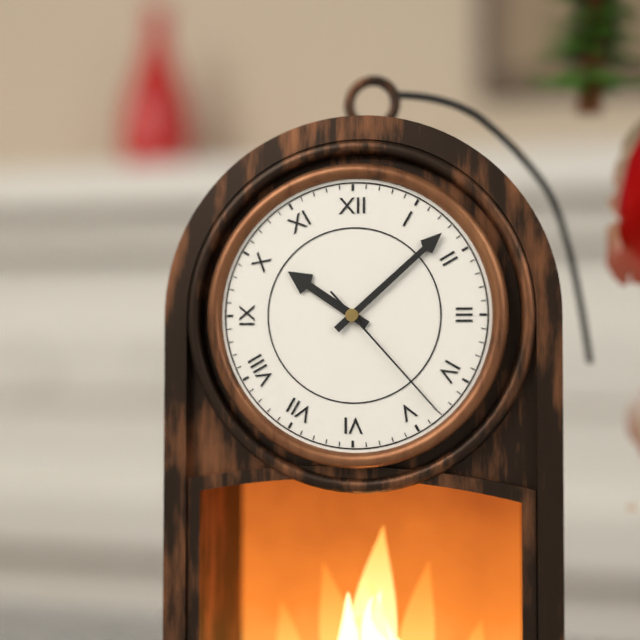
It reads 10:08:23
